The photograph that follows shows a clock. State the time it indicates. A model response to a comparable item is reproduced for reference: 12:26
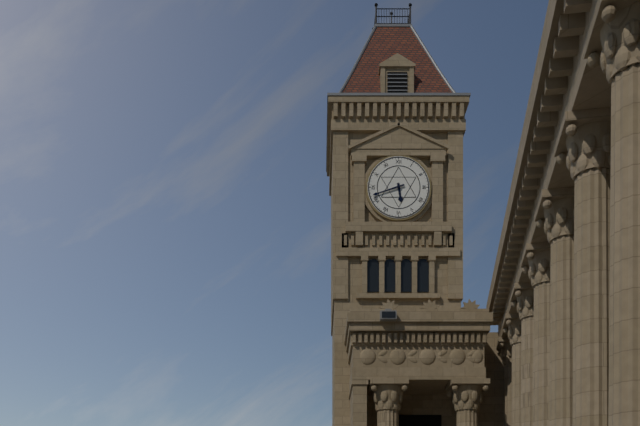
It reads 5:42
